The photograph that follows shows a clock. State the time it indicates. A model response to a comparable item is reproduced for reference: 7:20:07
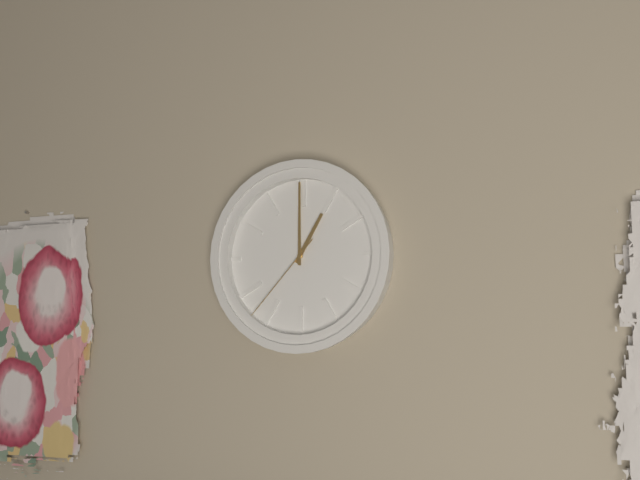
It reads 1:00:37
